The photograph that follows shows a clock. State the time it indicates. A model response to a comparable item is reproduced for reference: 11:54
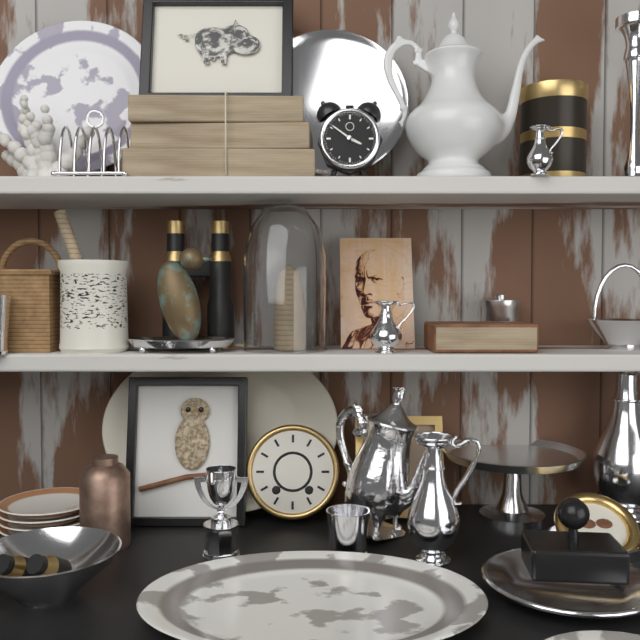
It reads 3:51
